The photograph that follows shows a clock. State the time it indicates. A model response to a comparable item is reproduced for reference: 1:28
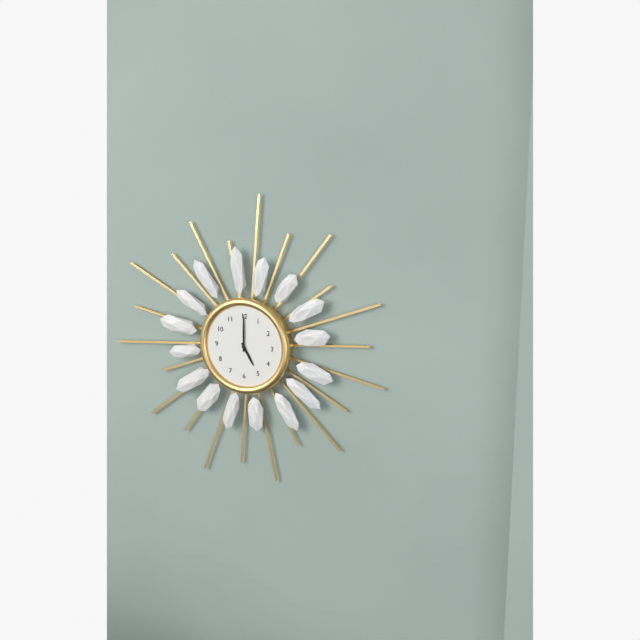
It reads 5:00
